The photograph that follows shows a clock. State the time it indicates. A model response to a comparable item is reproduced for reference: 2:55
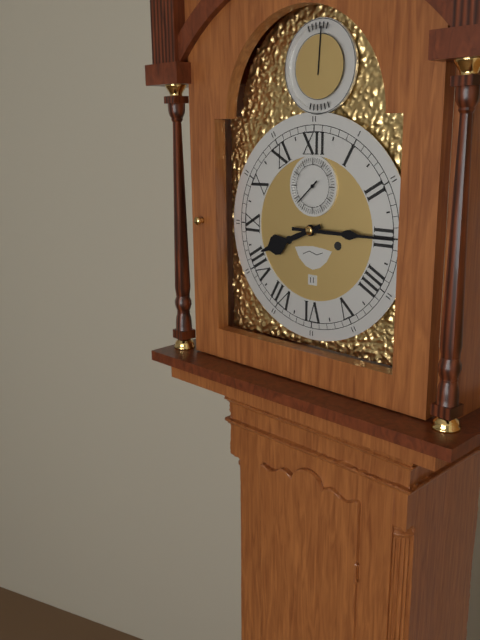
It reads 8:15
